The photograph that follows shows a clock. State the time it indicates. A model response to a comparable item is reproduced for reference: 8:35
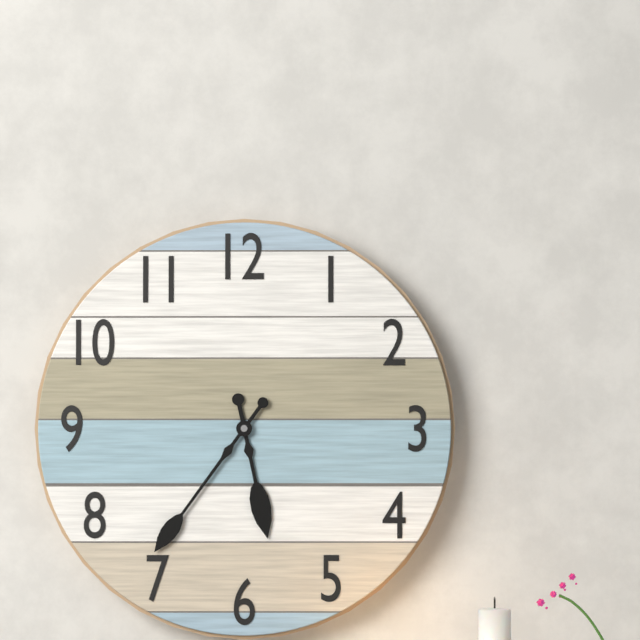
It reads 5:36
